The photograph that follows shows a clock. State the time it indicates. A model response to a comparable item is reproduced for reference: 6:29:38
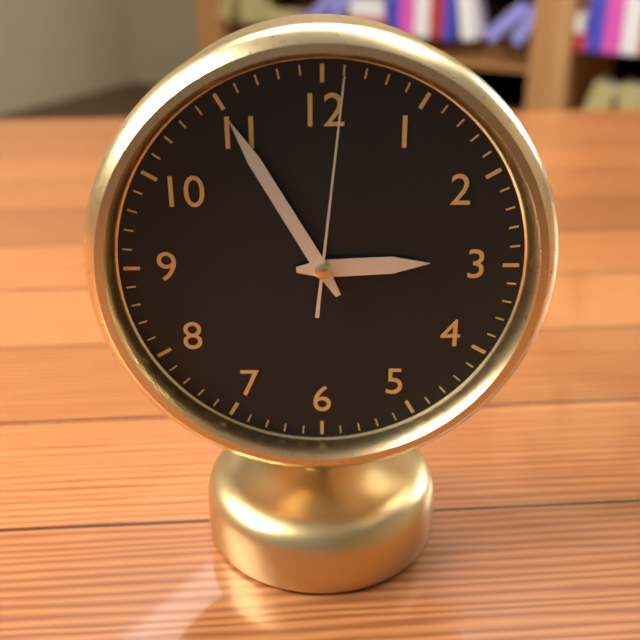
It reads 2:55:01
